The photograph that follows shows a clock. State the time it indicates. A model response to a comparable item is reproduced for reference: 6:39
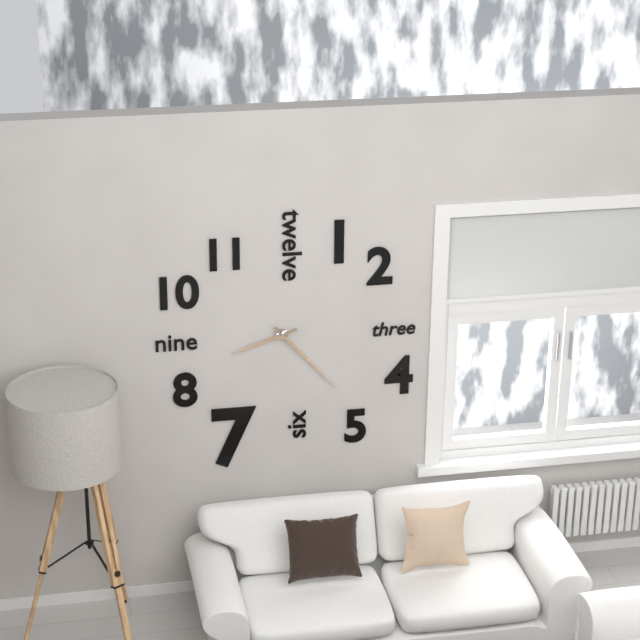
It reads 8:23
